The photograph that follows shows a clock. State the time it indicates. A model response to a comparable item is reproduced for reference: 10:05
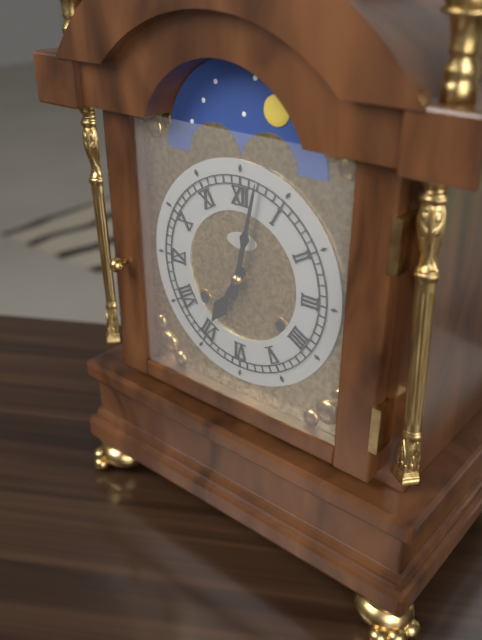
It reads 7:02
